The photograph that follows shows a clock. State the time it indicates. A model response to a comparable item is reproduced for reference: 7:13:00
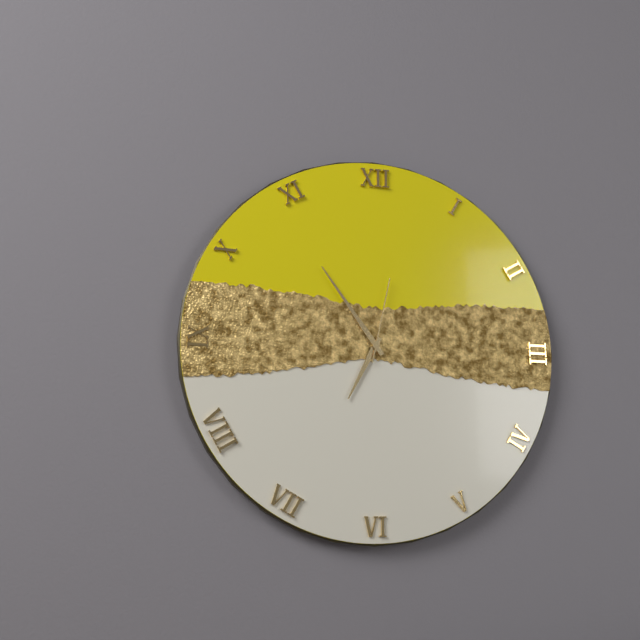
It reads 6:54:02
